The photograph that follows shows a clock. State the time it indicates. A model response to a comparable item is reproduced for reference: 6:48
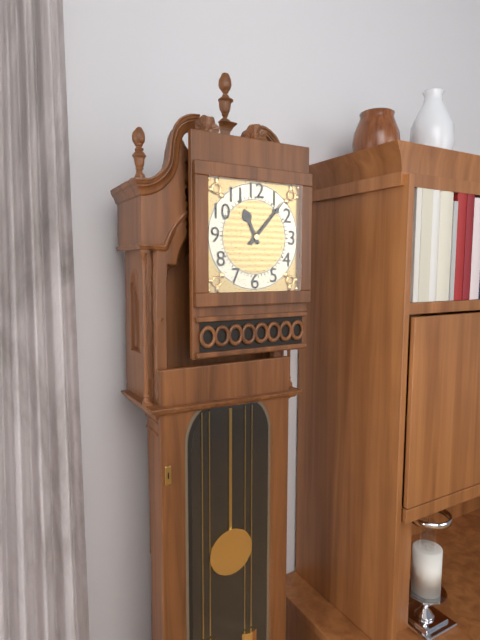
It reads 11:07
